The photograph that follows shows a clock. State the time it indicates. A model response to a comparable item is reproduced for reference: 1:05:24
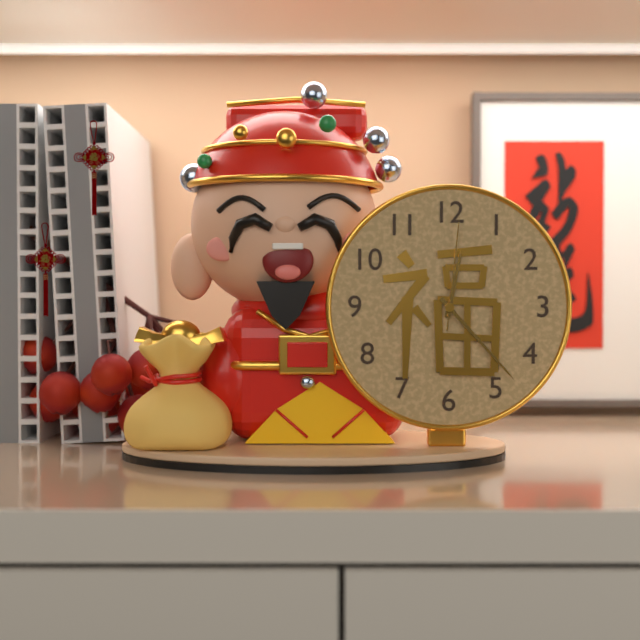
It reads 12:23:01
